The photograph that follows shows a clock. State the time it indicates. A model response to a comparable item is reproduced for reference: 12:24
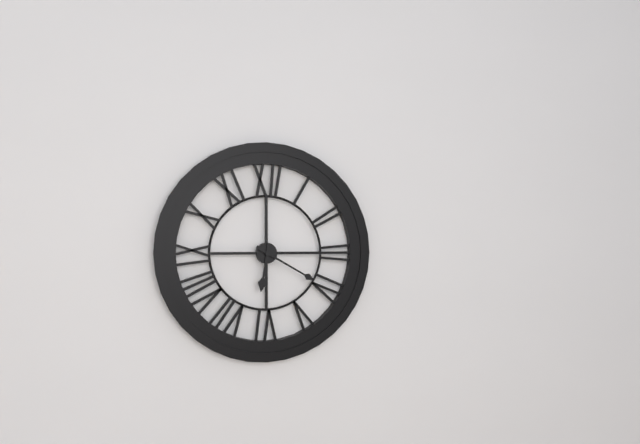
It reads 6:20
